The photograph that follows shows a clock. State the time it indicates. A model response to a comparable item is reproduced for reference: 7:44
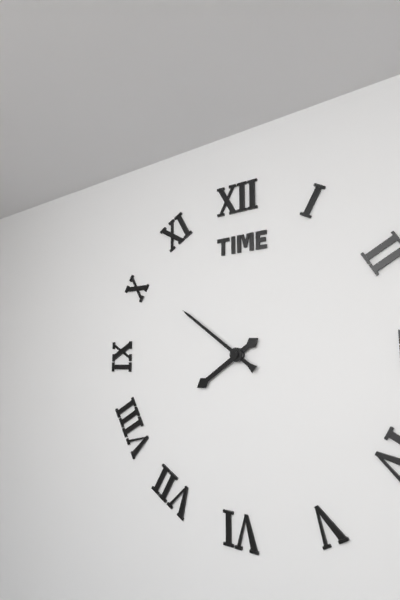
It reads 7:51
